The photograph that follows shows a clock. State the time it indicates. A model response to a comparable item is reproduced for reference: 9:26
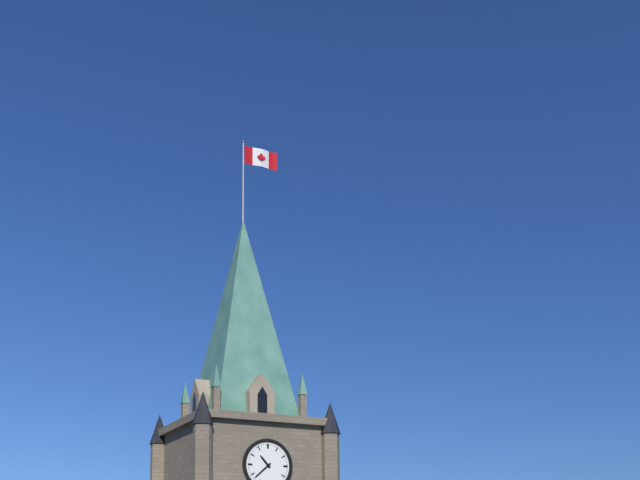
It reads 10:38
